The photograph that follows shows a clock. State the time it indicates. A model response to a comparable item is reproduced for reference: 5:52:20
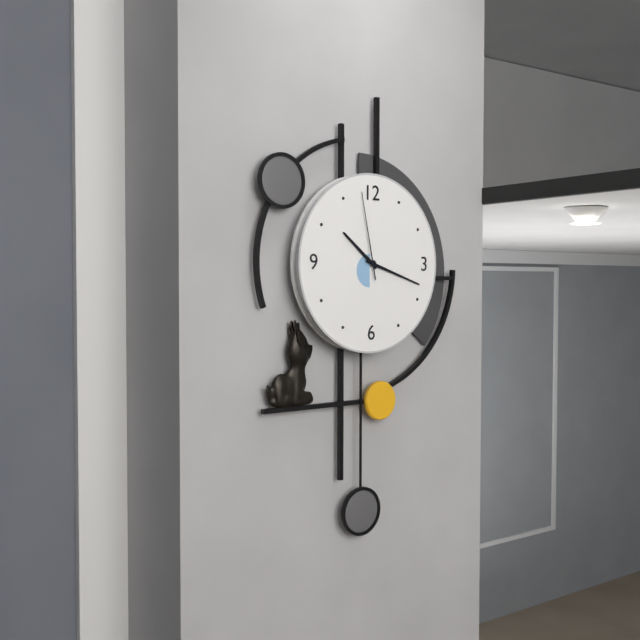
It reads 10:18:58
